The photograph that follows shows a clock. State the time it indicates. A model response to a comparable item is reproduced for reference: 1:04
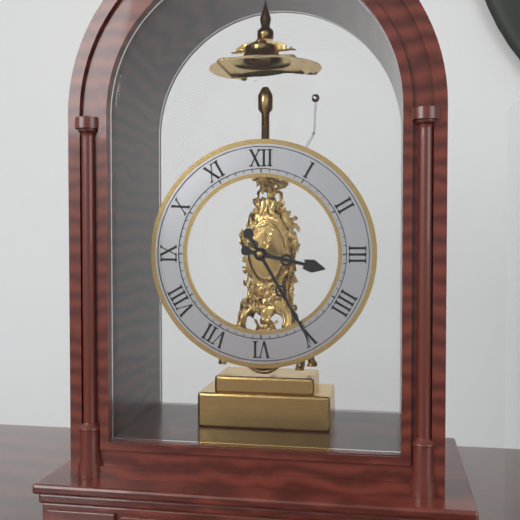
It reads 3:25
